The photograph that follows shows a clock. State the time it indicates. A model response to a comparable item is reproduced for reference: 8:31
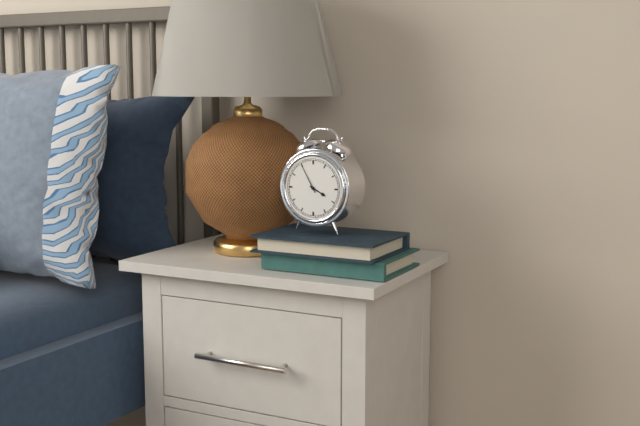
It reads 3:55
